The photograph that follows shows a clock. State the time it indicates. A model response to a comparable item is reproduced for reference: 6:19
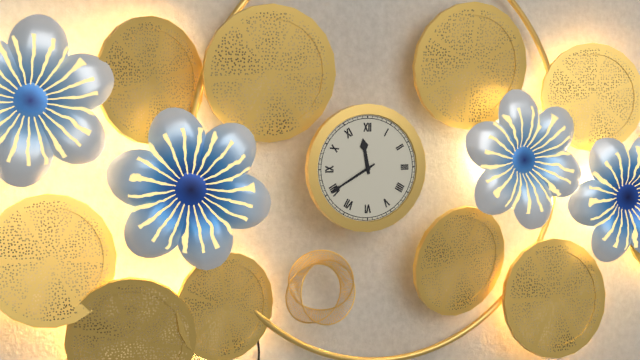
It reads 11:40
